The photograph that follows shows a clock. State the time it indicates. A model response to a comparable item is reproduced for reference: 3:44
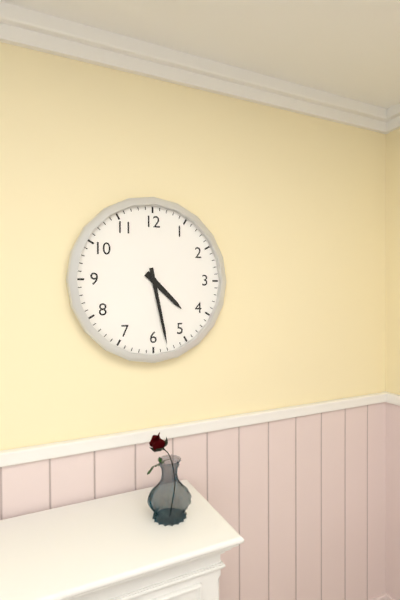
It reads 4:28
